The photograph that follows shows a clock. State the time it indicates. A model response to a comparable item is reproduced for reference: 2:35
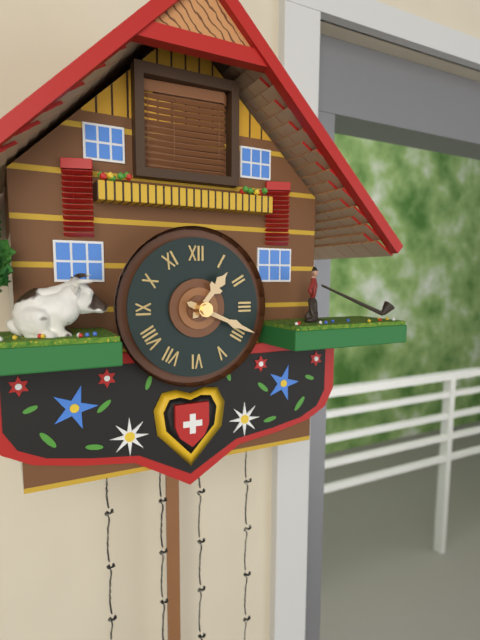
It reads 1:19
